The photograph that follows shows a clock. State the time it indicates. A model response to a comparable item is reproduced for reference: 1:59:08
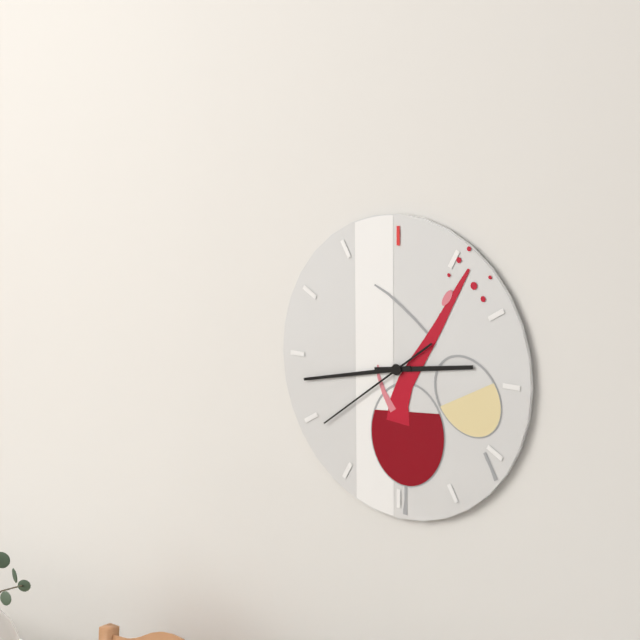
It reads 2:43:39
